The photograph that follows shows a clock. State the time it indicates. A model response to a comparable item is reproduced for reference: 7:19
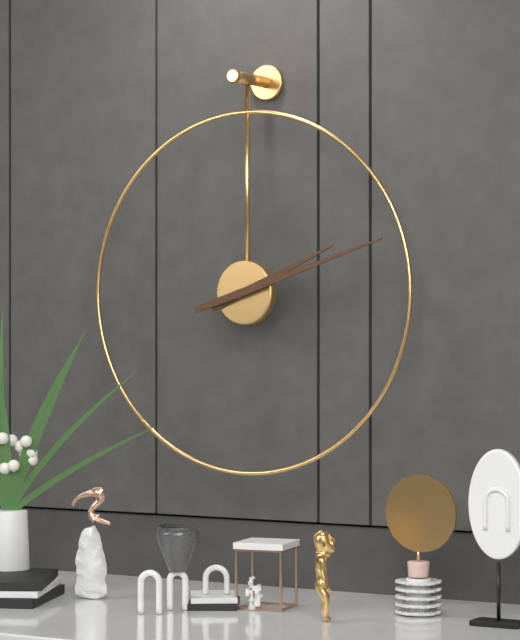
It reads 2:12
